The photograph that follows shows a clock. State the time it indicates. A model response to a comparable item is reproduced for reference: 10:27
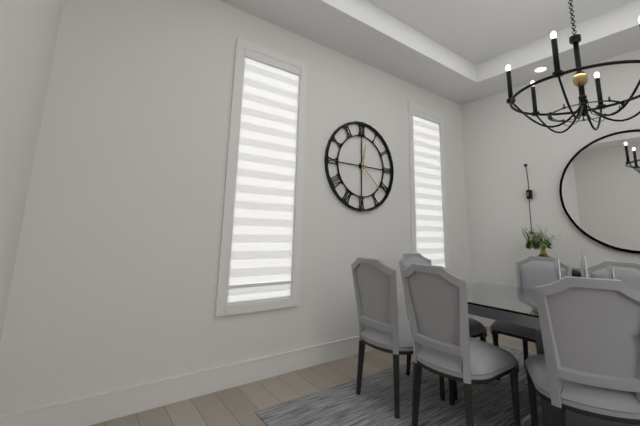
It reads 12:22
